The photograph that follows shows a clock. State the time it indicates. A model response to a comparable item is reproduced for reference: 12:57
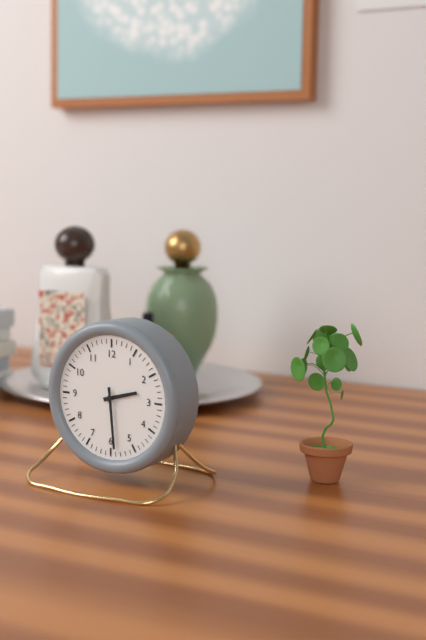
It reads 2:29
